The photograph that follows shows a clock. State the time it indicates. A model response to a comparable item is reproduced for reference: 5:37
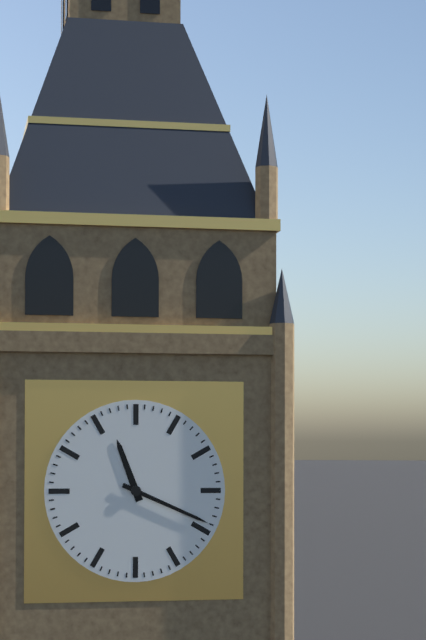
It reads 11:19
